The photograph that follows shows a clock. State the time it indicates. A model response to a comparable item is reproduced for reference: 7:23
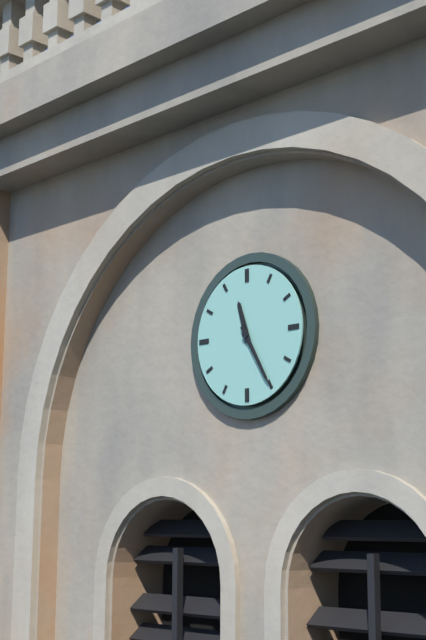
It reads 11:25
